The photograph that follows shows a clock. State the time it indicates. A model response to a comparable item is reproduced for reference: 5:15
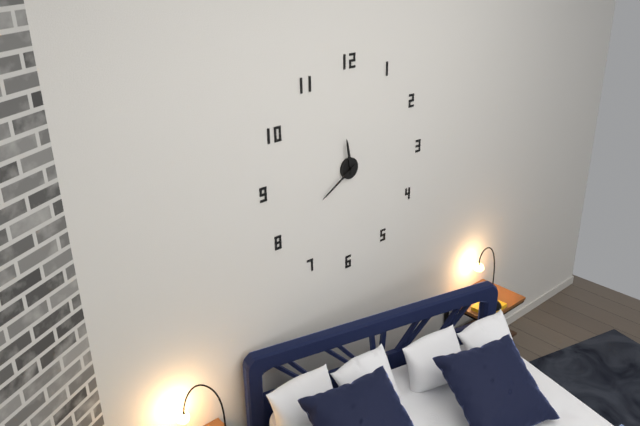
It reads 11:40
